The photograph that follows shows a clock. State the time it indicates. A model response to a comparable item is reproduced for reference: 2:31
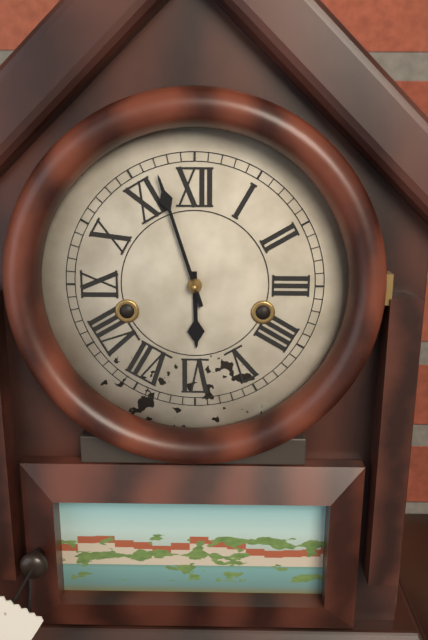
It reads 5:57
